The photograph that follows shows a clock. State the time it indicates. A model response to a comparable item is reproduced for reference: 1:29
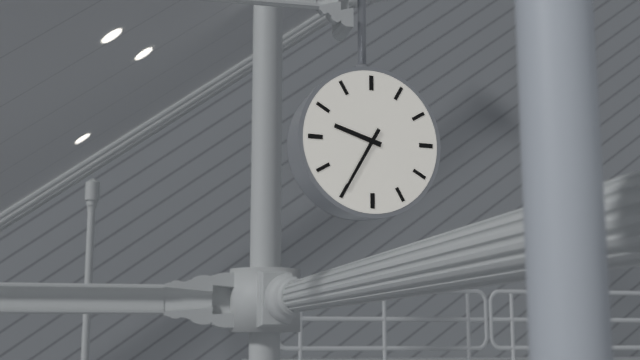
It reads 9:35
